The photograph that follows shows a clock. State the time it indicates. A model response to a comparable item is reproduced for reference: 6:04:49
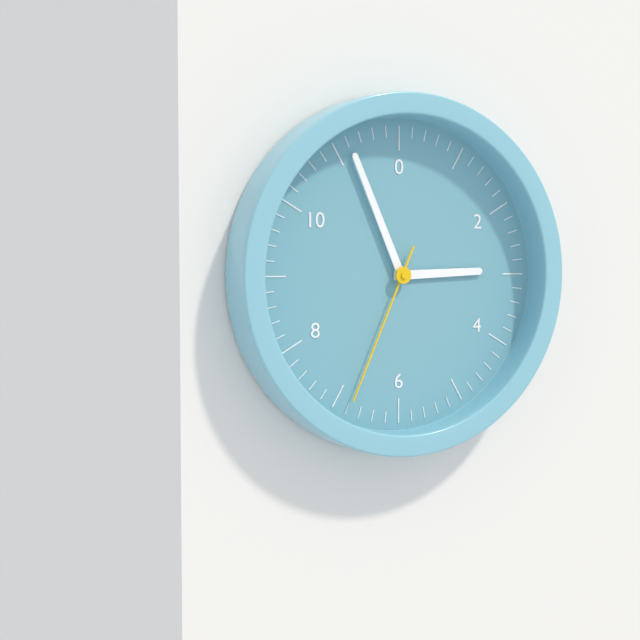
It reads 2:56:34
